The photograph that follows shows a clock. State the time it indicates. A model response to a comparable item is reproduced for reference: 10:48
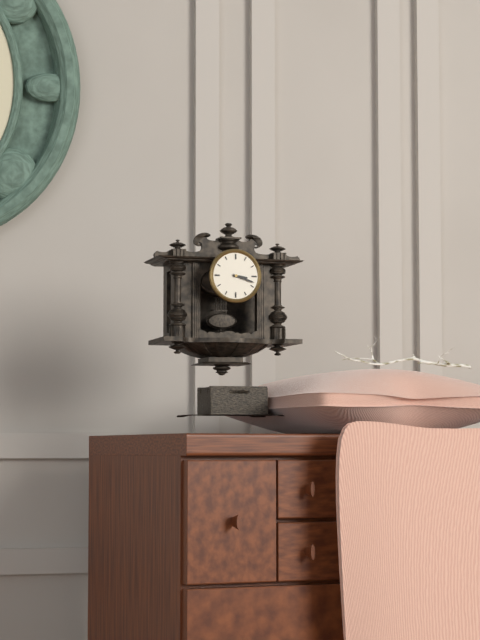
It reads 3:18
